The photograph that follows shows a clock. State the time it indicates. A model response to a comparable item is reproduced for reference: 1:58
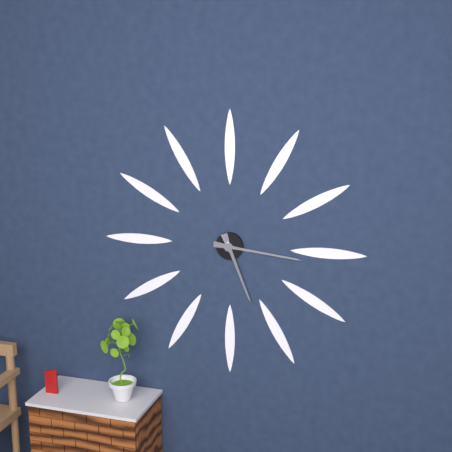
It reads 5:16
